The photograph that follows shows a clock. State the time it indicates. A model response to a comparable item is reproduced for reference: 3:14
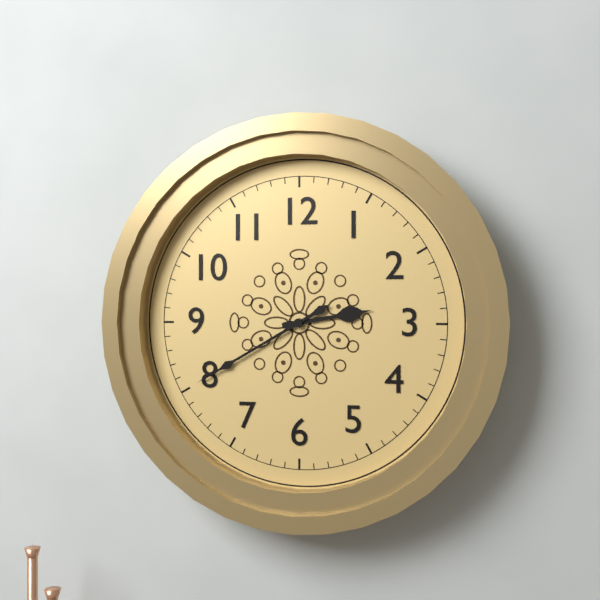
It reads 2:40
